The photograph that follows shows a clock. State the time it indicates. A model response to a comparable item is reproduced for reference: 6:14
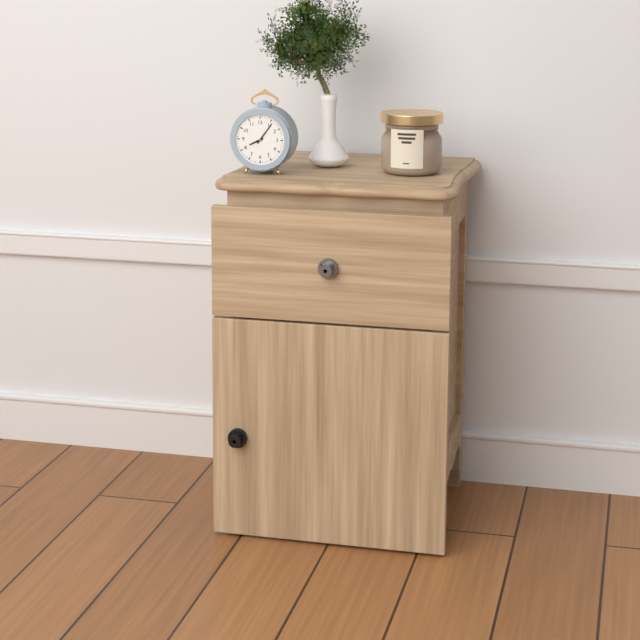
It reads 8:06
